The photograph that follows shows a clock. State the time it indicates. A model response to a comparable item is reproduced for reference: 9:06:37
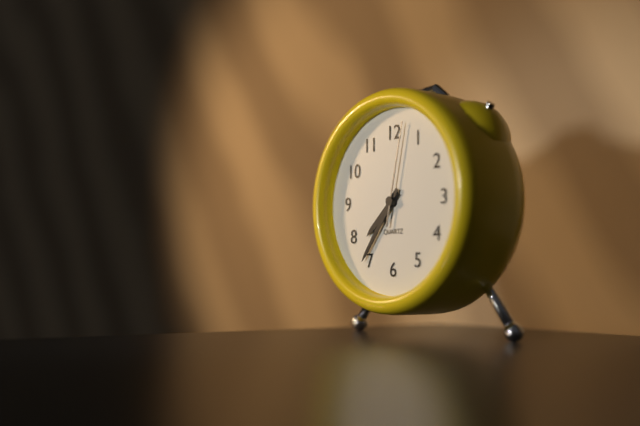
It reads 7:36:02
